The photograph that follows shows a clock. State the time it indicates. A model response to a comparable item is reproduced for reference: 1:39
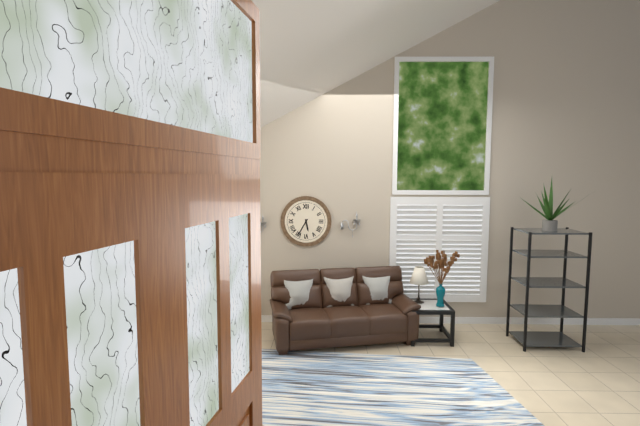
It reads 5:35
